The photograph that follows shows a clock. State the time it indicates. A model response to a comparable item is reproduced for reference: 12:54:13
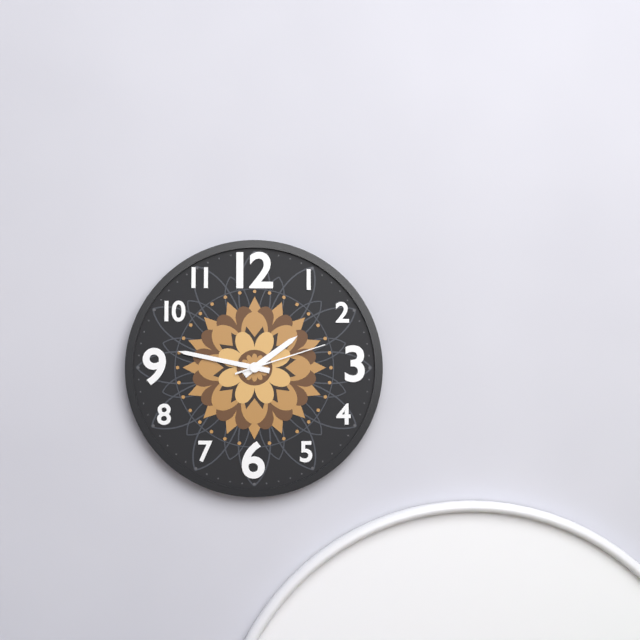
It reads 1:47:12
